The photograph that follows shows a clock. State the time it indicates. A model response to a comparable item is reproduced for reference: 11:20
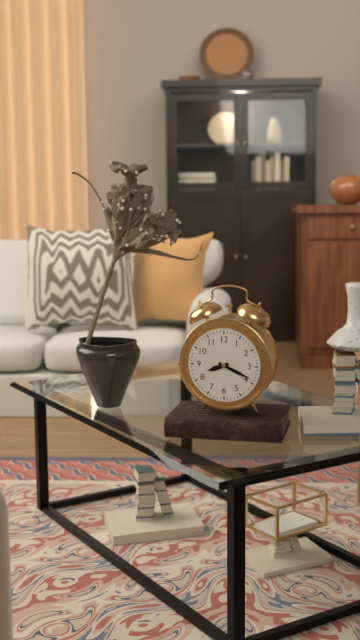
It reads 8:19
